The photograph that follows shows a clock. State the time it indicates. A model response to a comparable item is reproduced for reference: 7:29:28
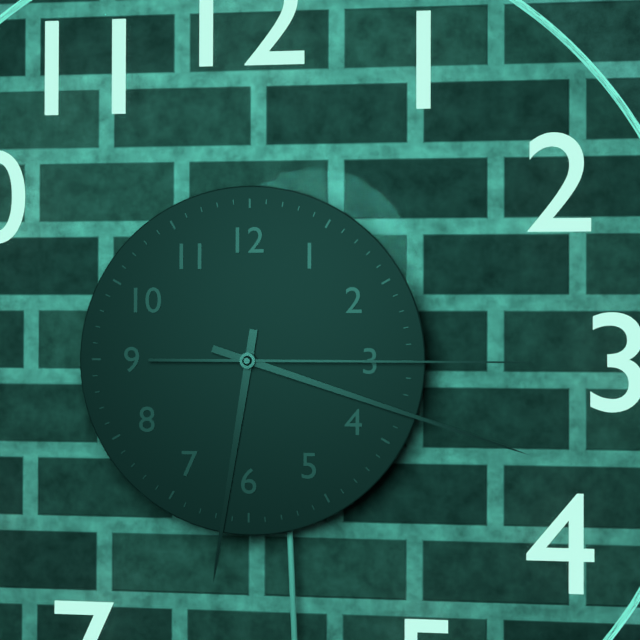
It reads 6:18:15
